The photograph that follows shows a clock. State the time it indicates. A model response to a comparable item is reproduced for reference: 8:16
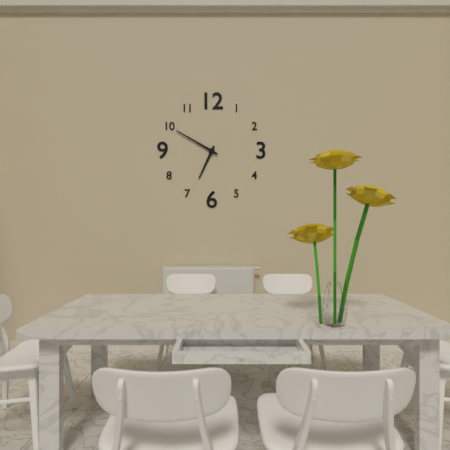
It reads 6:50
